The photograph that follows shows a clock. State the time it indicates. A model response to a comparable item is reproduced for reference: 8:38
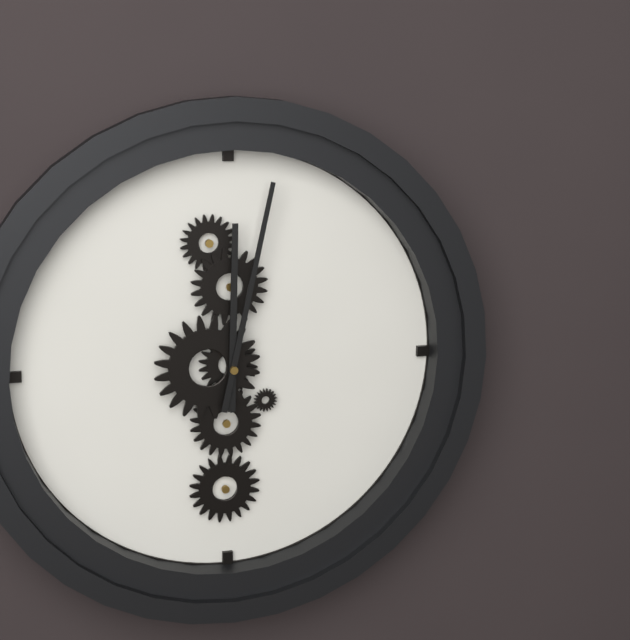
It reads 12:02
